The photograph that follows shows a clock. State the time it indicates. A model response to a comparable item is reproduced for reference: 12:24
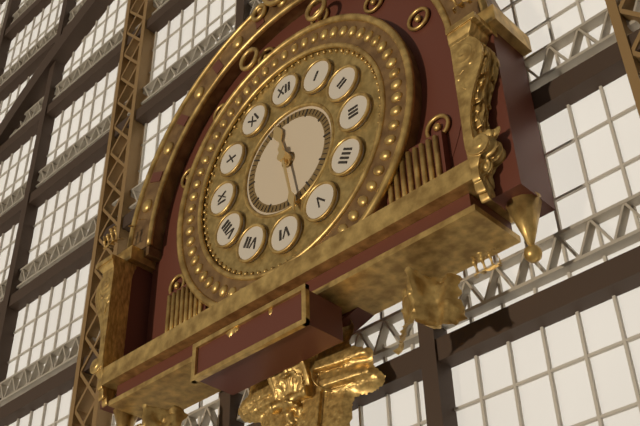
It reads 11:28
